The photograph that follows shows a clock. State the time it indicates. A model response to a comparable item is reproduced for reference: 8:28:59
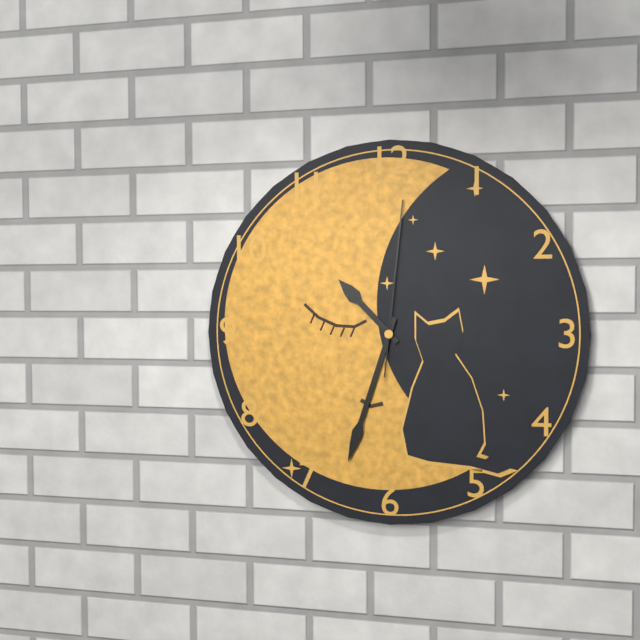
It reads 10:33:01
